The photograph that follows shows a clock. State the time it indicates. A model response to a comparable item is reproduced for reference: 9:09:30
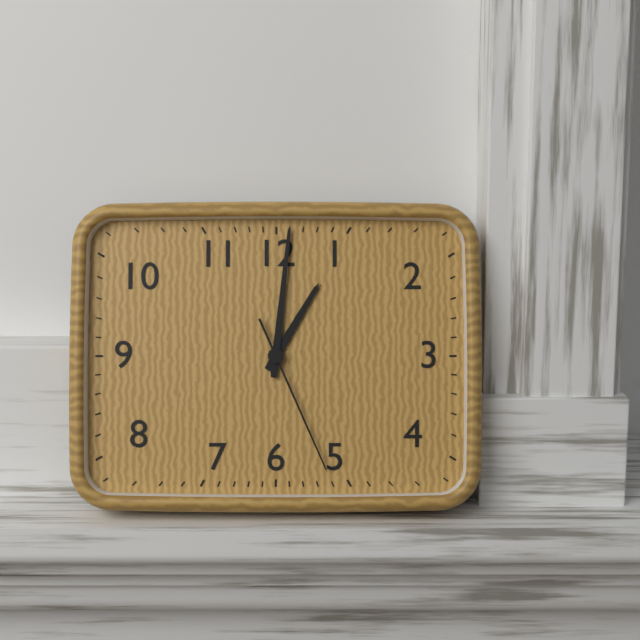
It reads 1:01:26
